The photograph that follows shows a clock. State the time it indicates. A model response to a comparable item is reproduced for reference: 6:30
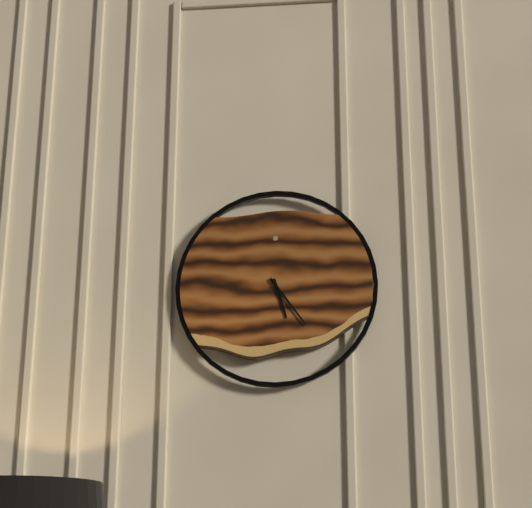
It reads 5:24
